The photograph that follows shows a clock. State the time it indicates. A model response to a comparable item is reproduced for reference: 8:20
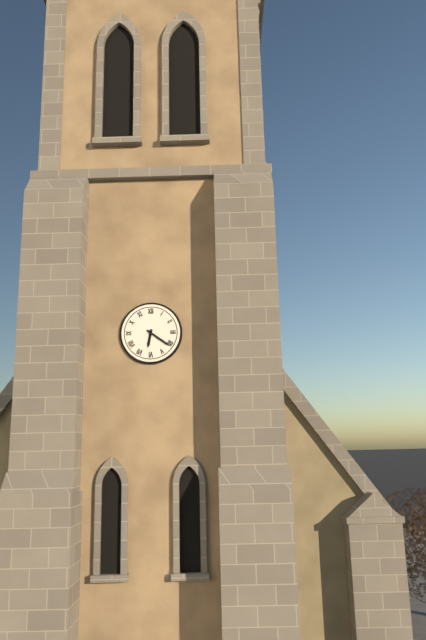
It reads 6:21
